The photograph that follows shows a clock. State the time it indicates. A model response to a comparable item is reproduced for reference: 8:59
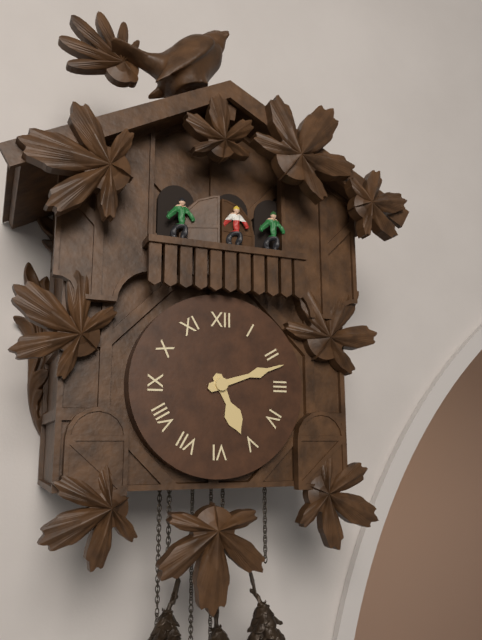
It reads 5:12
